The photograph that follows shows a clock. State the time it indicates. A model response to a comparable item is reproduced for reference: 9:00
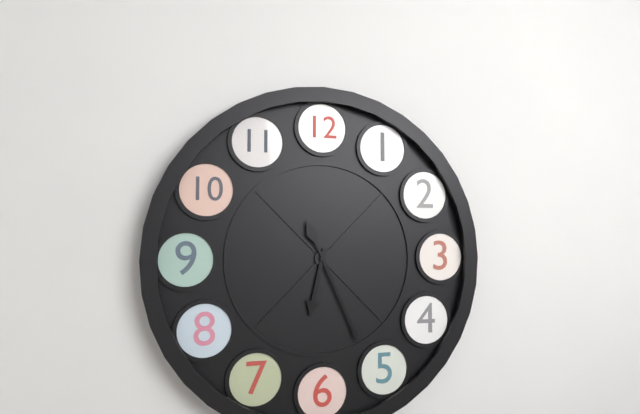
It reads 6:26
